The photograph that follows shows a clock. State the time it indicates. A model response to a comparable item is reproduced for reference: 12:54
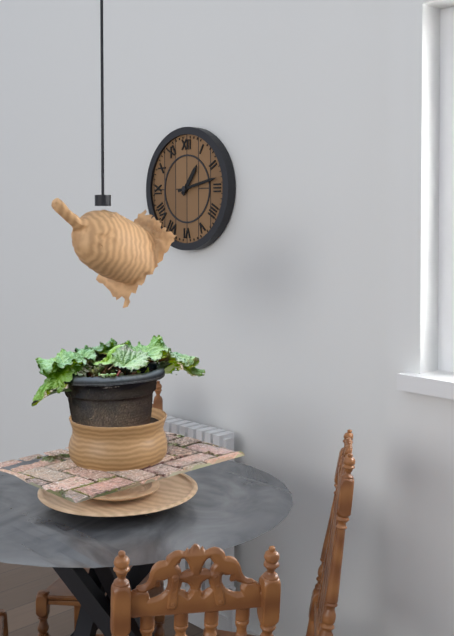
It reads 1:13
